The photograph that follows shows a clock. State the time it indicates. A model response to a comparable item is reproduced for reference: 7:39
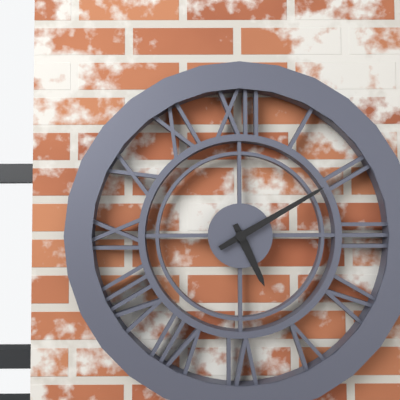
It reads 5:10
